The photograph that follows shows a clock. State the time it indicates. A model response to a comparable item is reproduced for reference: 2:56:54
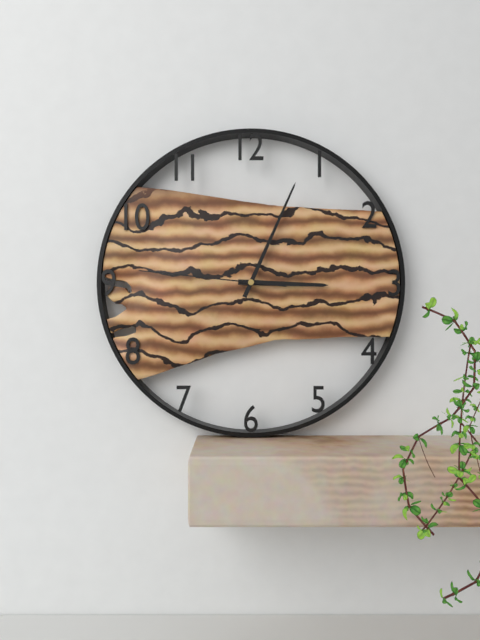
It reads 3:04:46
